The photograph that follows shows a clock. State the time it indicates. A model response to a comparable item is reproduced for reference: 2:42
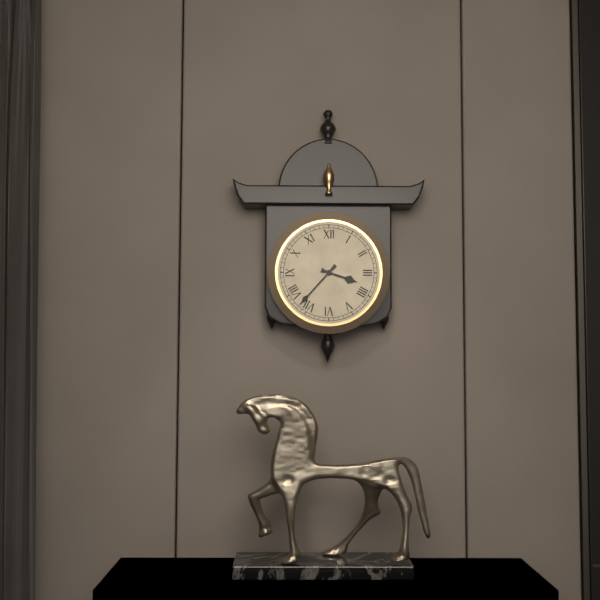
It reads 3:37
